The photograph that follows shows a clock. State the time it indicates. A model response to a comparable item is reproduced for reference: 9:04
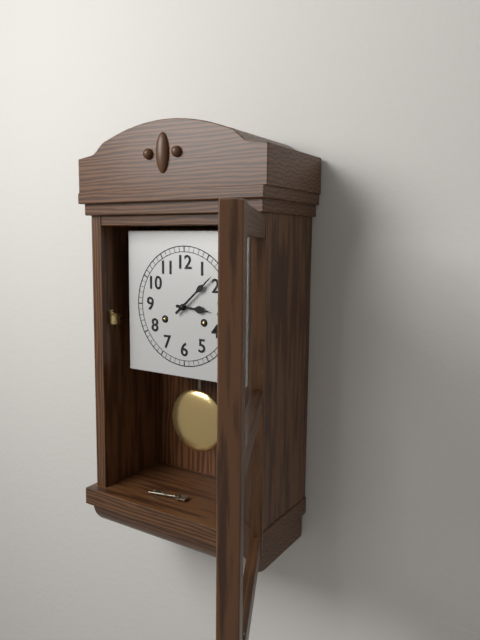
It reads 3:08
